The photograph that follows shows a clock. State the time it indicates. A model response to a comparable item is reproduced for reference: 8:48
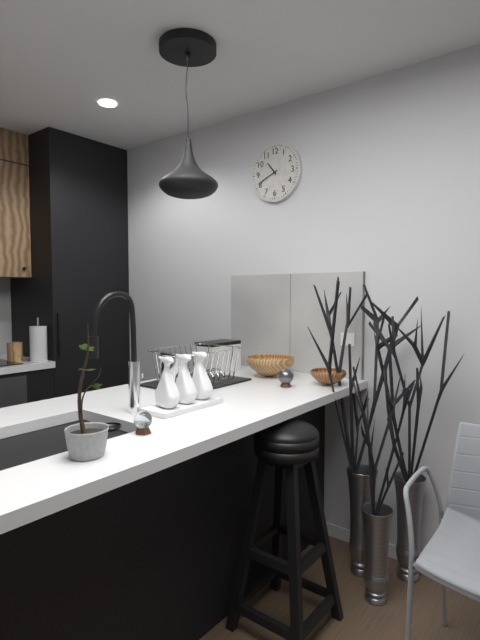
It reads 10:41
